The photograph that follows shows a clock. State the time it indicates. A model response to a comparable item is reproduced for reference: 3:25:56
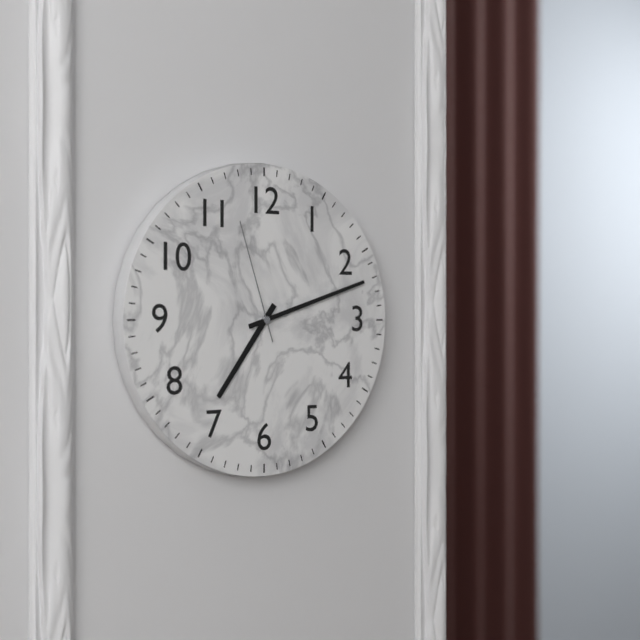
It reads 7:12:57
